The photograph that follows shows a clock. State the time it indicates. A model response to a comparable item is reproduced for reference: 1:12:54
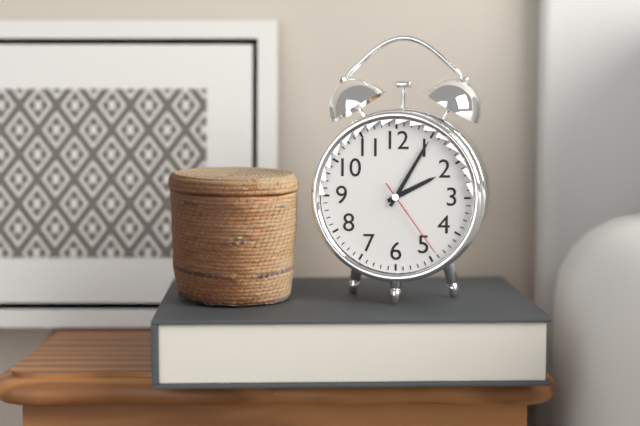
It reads 2:05:24
